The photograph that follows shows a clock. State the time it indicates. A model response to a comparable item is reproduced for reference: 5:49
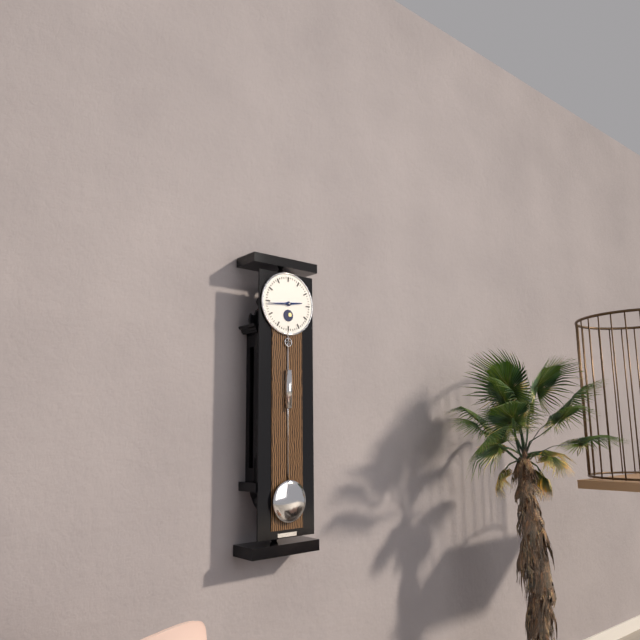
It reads 2:44
